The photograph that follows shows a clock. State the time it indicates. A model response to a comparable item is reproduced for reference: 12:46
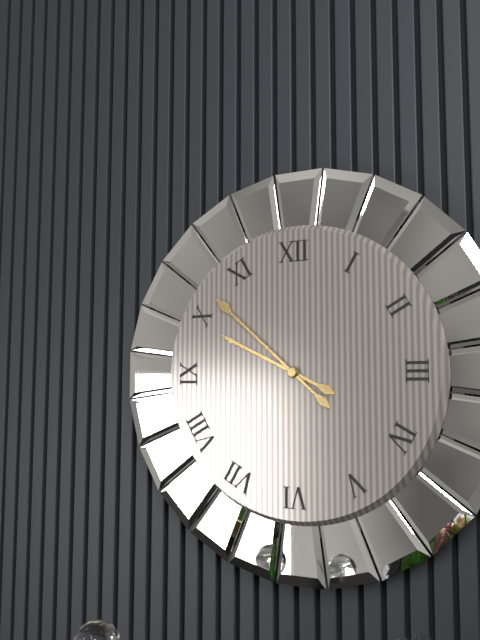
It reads 9:52
